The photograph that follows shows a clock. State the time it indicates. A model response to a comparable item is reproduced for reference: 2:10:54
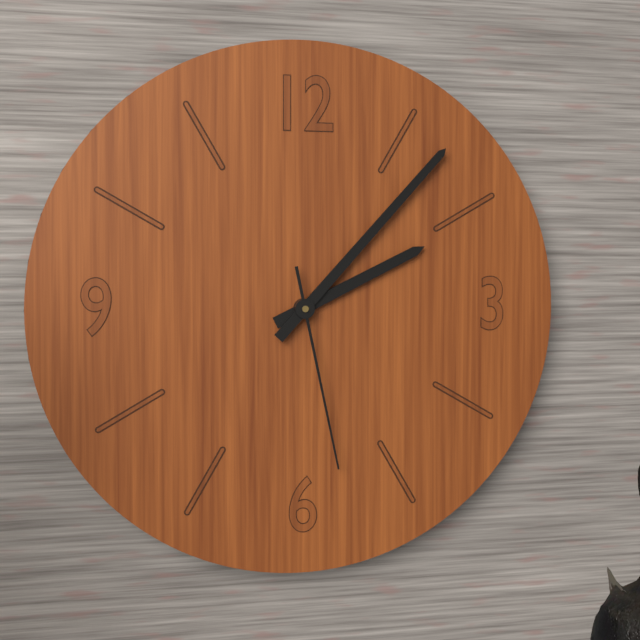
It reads 2:07:28
